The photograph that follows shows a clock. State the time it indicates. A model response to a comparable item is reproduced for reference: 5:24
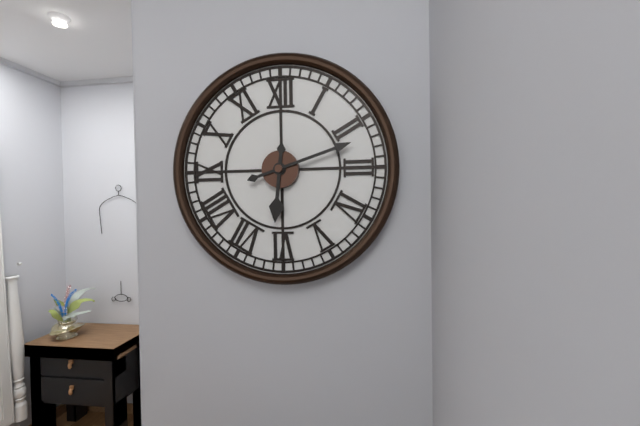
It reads 6:12
